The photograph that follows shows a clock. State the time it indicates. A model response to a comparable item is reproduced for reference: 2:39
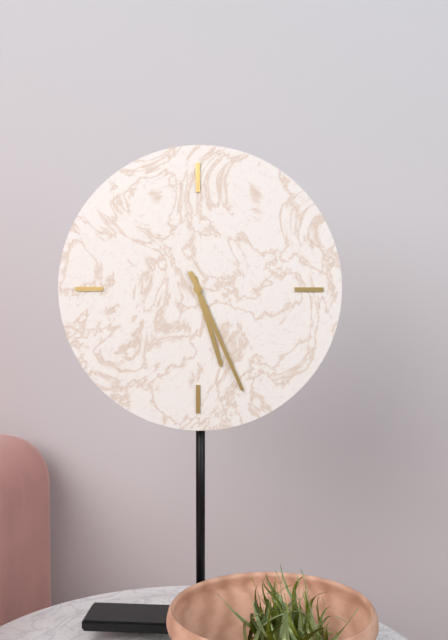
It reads 5:26
